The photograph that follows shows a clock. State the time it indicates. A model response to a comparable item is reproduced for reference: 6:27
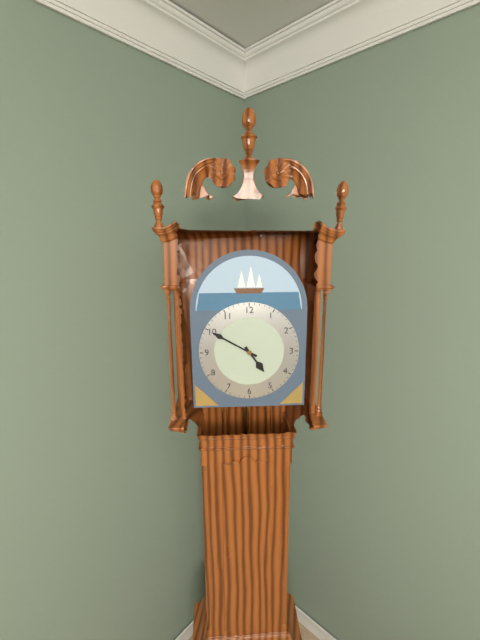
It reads 4:50
